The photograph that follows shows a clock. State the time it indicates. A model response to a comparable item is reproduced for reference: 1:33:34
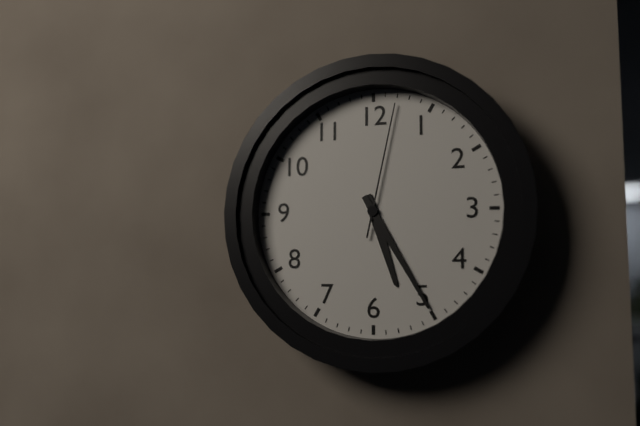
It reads 5:25:02
